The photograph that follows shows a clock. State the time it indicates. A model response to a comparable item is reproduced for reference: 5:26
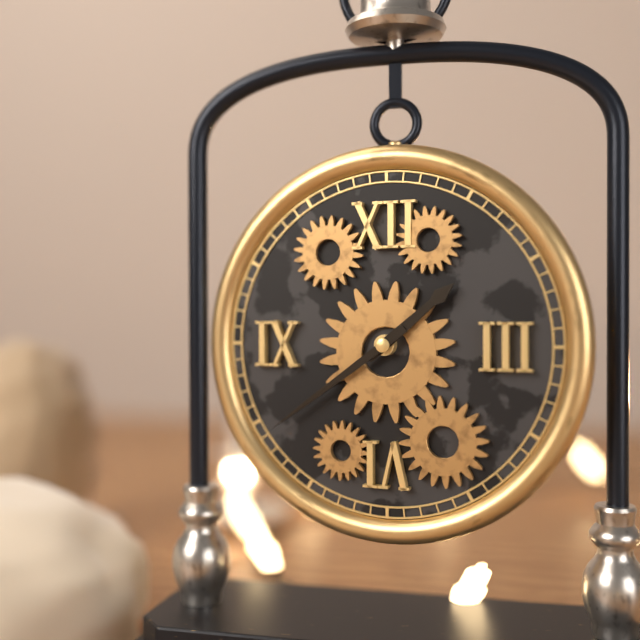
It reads 1:39
